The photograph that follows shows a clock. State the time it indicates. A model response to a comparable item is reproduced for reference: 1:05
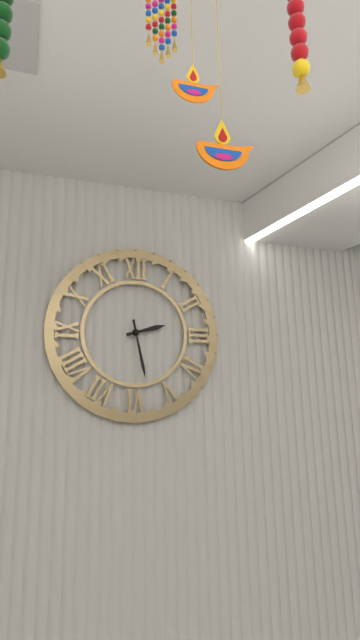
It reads 2:28
